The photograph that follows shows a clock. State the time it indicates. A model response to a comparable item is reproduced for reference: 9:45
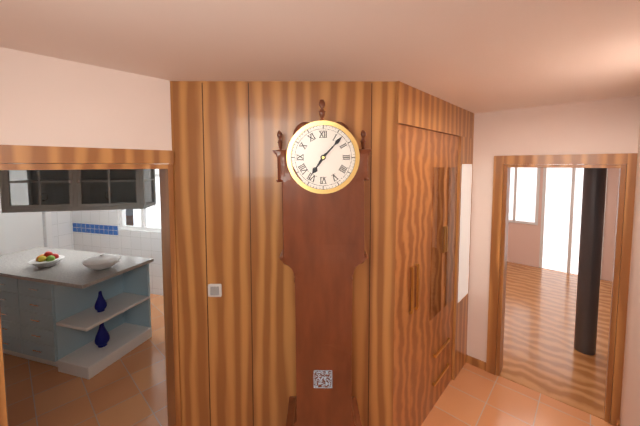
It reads 7:07
